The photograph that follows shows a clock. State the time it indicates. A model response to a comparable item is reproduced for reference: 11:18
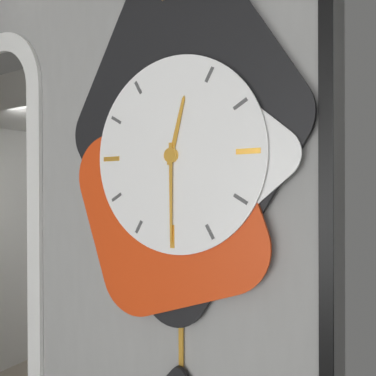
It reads 12:30
